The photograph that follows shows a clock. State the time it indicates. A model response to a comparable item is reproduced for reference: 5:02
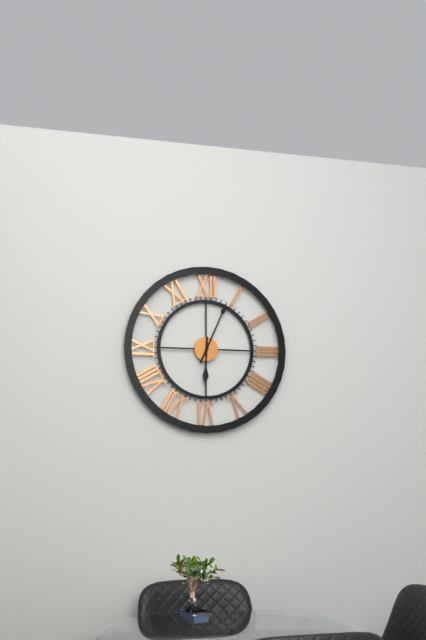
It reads 6:04
